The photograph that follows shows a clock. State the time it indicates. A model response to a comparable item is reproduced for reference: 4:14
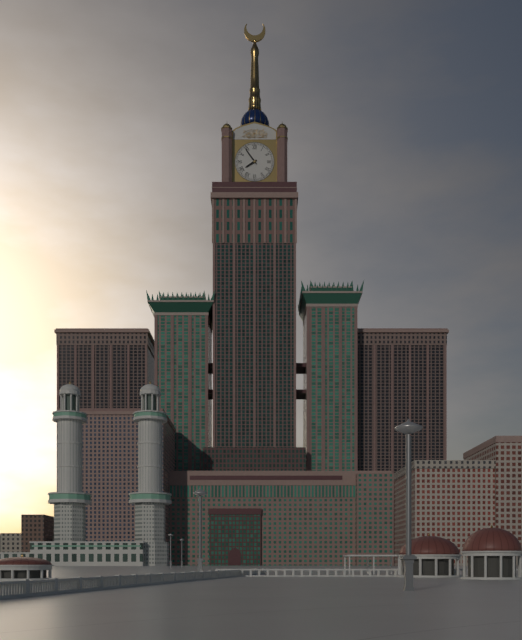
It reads 7:54
